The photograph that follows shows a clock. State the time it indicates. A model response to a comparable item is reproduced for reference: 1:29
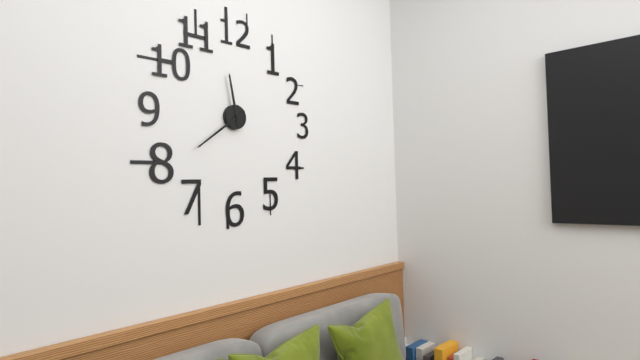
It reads 11:39
